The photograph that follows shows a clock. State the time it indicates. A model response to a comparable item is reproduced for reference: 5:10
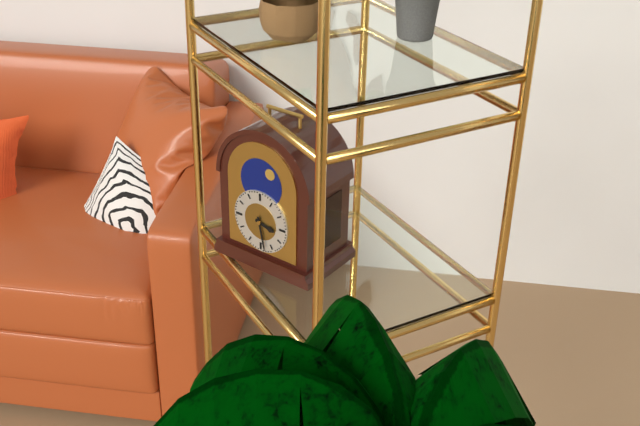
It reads 3:28
